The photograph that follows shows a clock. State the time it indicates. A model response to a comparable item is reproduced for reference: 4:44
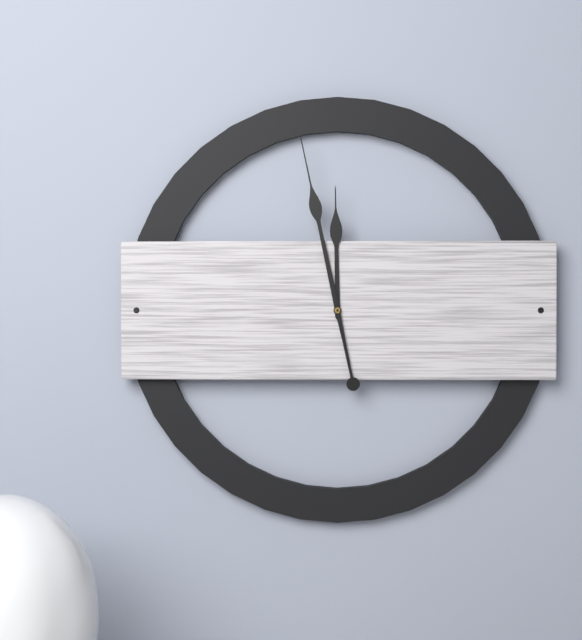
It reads 11:58
